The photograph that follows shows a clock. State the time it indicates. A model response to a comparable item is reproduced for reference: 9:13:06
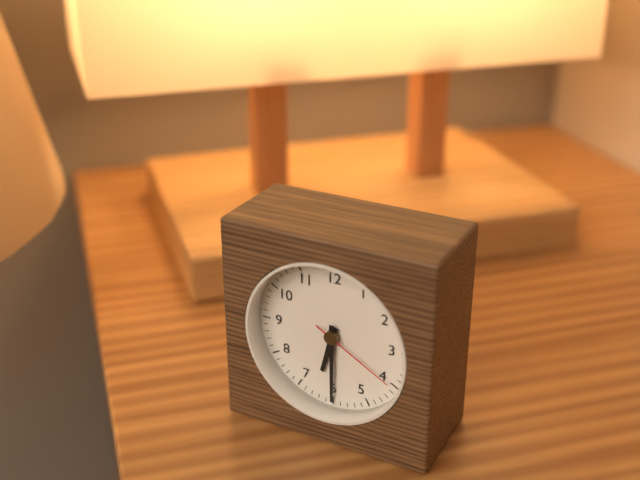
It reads 6:30:20
